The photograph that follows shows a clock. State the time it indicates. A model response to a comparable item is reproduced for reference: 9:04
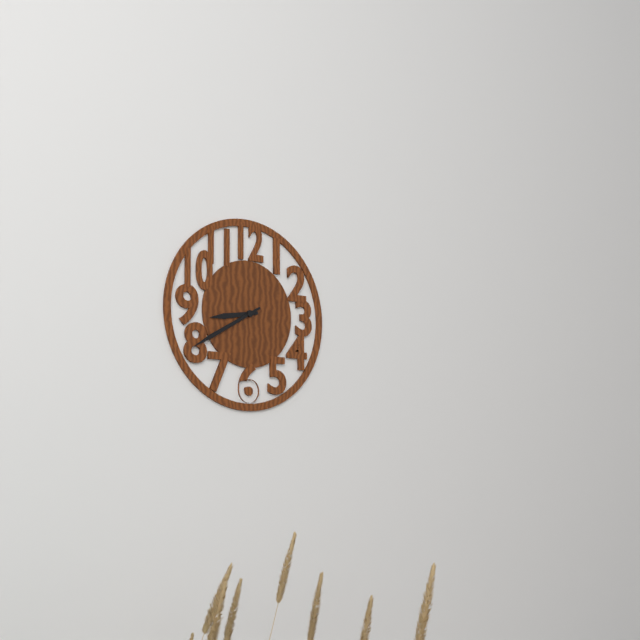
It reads 8:40
